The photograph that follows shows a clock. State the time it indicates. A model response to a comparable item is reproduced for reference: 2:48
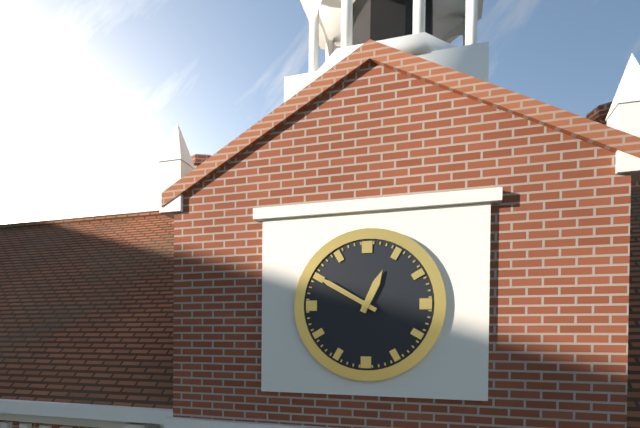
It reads 12:50
